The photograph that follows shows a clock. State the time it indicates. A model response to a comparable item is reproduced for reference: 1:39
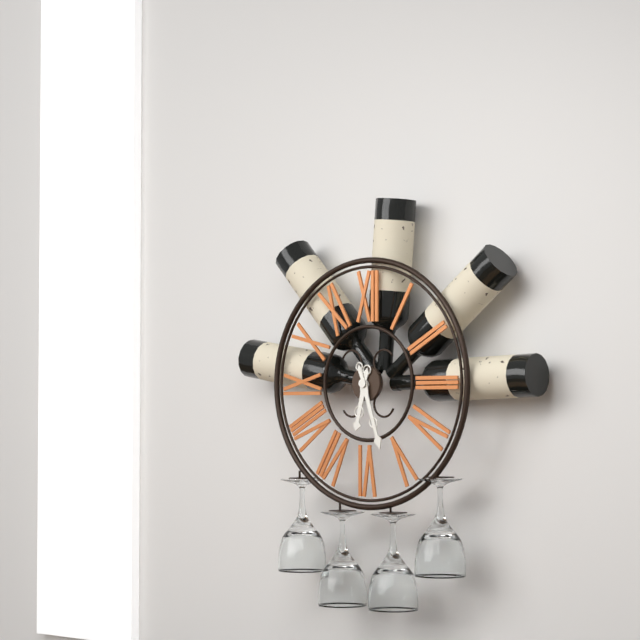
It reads 6:27
